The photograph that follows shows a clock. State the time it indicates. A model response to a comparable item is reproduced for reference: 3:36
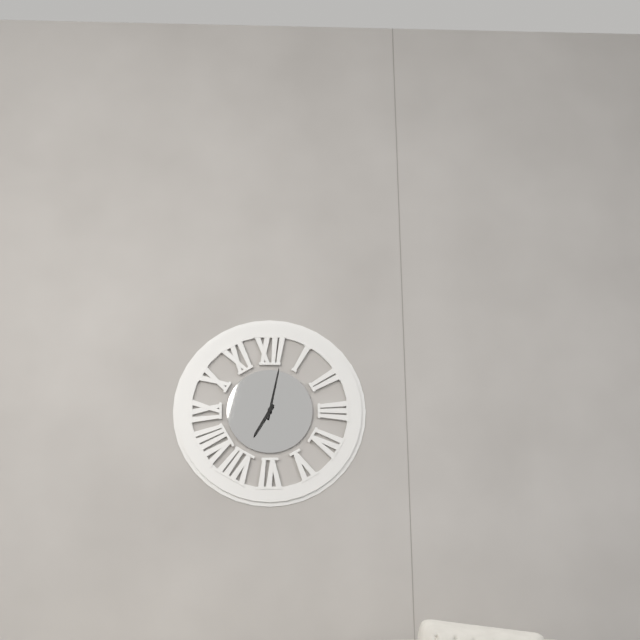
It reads 7:02
